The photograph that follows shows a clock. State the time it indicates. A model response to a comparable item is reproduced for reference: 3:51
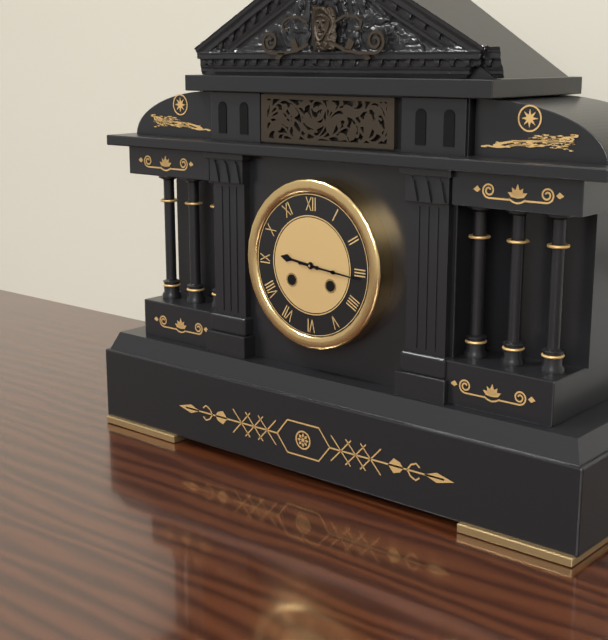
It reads 9:16
